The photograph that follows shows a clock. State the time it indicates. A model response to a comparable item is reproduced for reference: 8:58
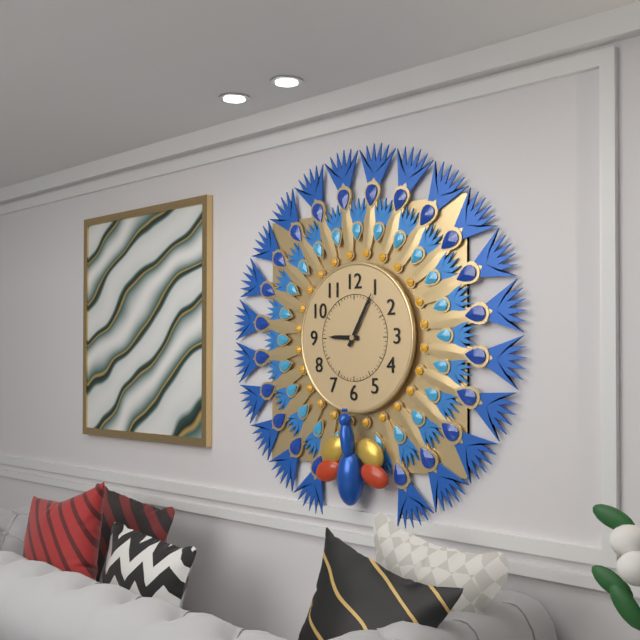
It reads 9:05
